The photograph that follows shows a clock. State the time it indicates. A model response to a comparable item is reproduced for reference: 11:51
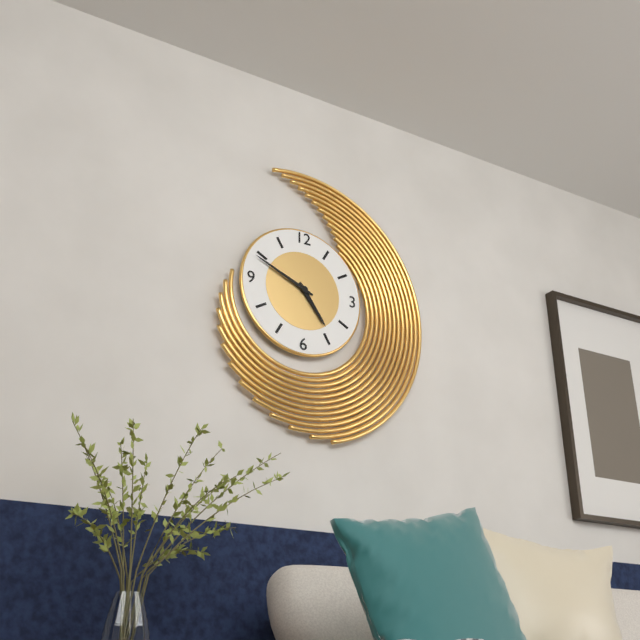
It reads 4:49
